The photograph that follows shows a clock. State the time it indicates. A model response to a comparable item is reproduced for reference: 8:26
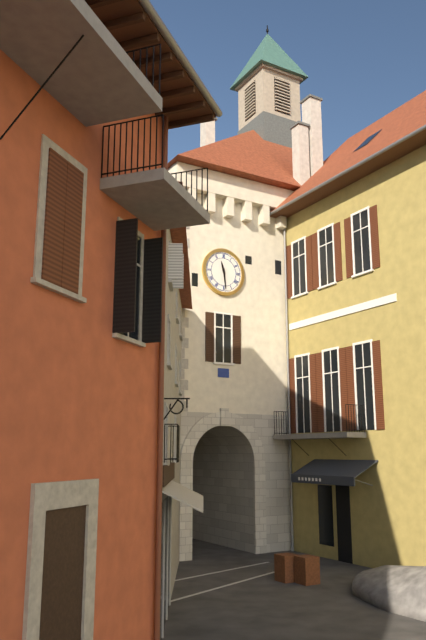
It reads 11:29
